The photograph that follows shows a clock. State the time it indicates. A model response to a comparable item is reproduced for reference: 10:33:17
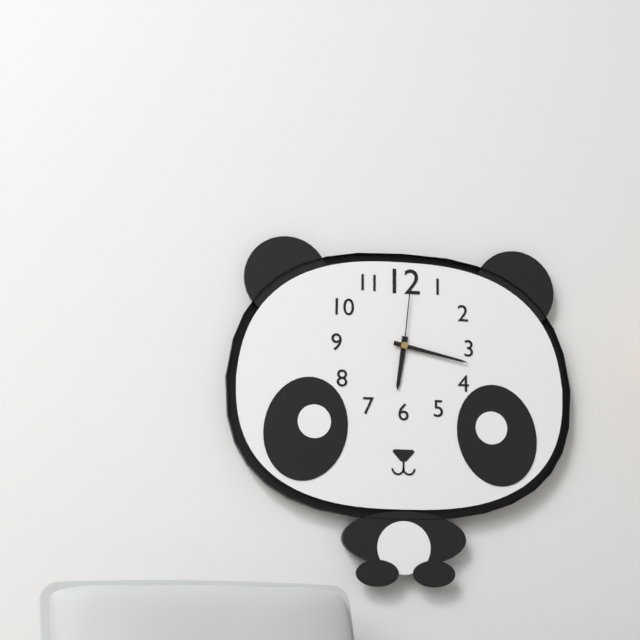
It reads 6:17:01
